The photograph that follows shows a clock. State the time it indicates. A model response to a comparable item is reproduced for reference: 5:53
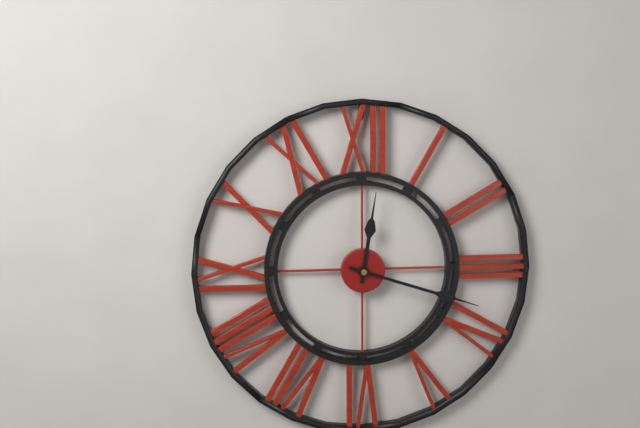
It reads 12:18
